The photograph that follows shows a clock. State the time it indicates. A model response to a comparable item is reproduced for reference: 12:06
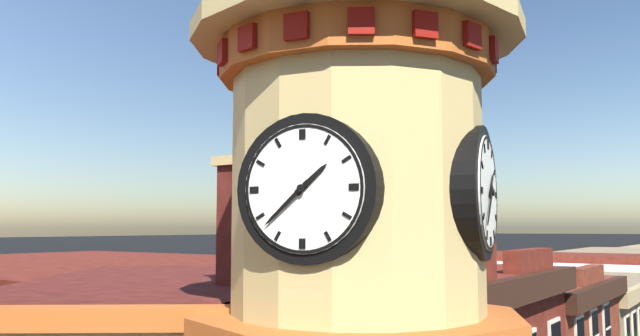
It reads 1:38
